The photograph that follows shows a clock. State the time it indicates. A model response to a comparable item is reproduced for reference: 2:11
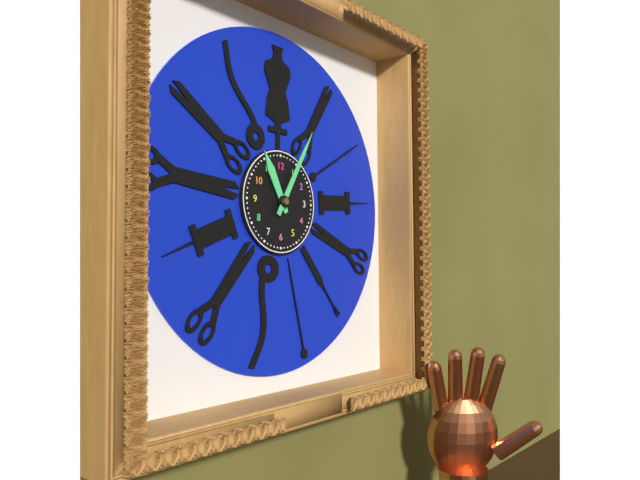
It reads 11:05
